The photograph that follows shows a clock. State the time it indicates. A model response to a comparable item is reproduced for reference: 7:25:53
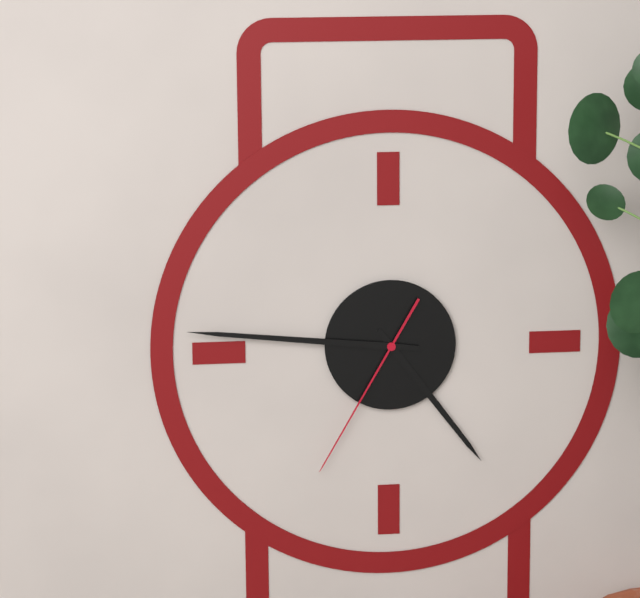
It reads 4:46:35
